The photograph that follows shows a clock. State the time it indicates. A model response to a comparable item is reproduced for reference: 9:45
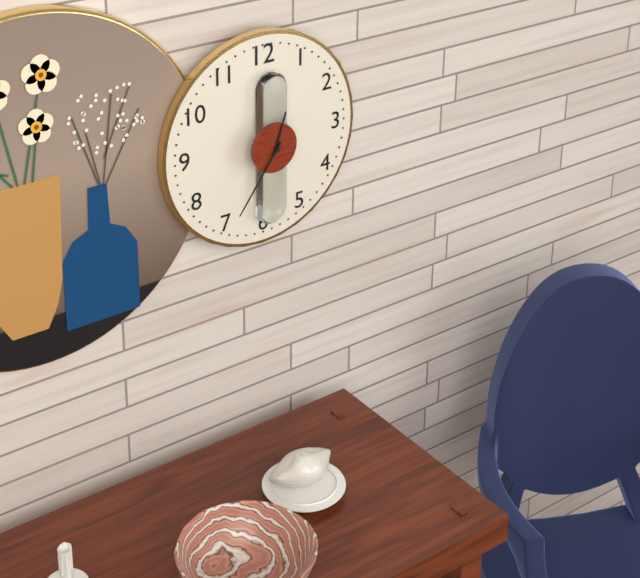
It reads 12:36
